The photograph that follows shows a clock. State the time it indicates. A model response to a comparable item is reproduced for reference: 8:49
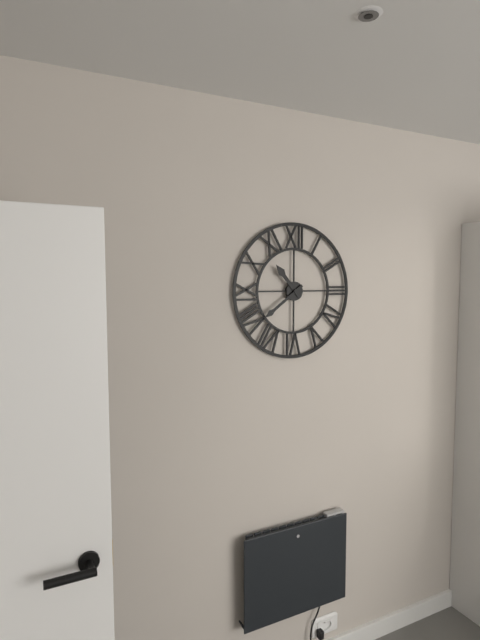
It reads 10:39
